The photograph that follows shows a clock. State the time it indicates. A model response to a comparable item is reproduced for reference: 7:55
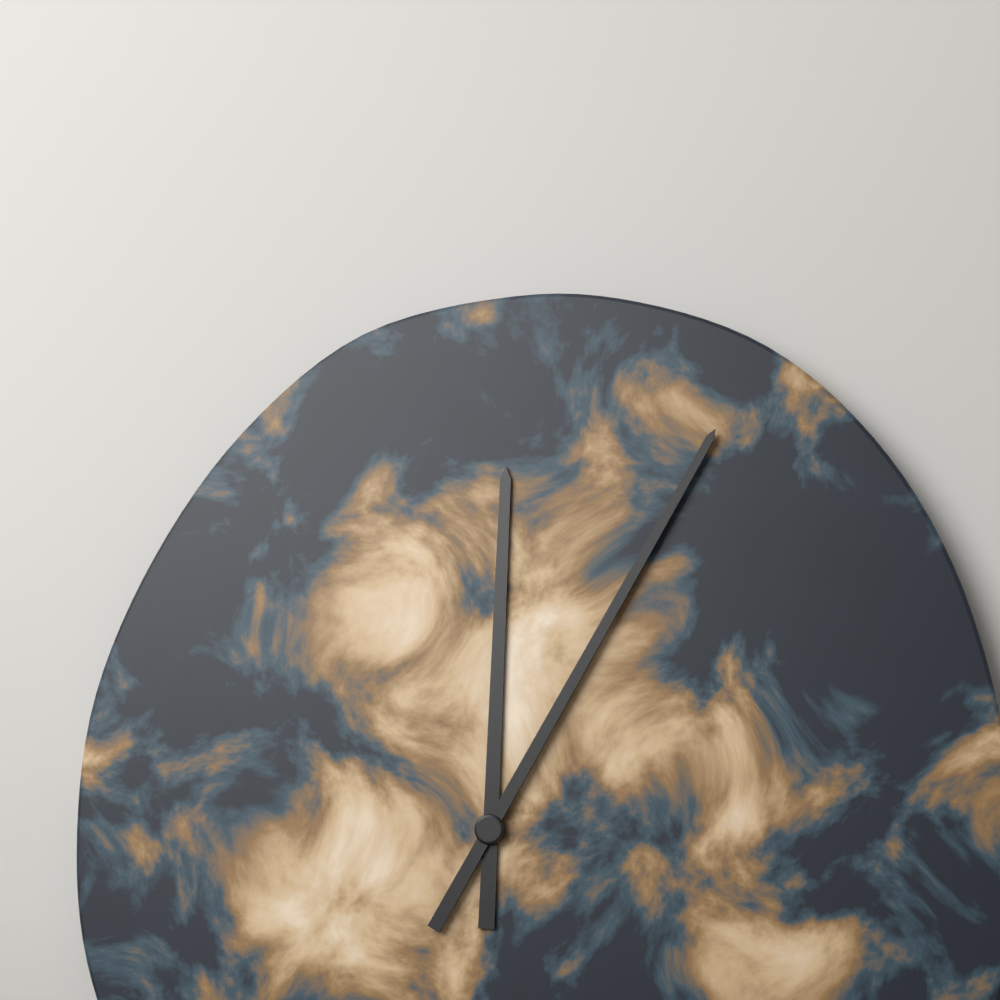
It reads 12:05
